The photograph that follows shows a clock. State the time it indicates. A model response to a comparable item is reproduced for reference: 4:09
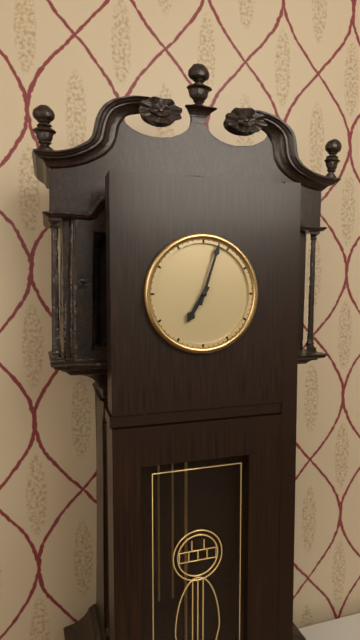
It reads 7:03
